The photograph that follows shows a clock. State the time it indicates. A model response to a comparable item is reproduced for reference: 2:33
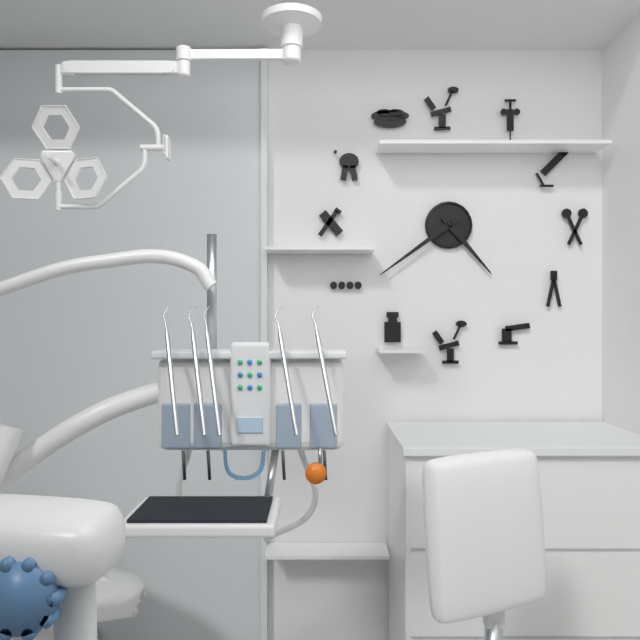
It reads 4:39
